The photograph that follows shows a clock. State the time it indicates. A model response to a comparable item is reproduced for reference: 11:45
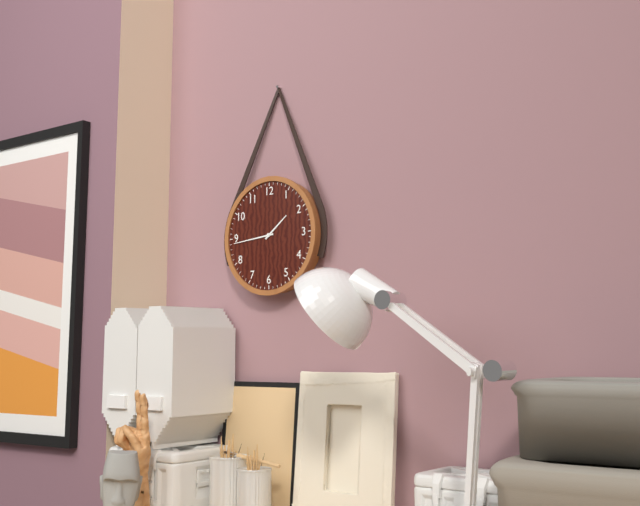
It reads 1:44
